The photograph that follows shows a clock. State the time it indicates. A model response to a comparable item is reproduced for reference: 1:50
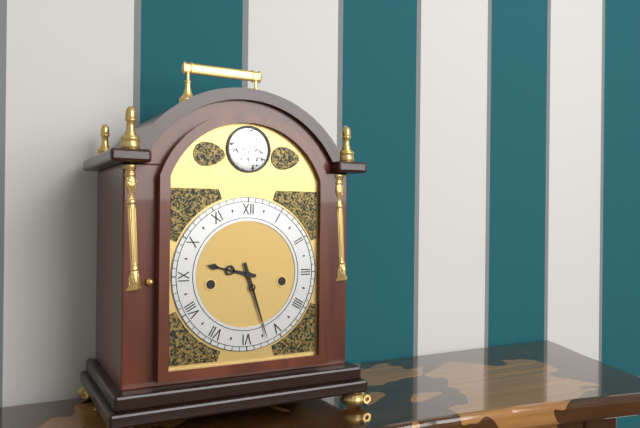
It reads 9:27
